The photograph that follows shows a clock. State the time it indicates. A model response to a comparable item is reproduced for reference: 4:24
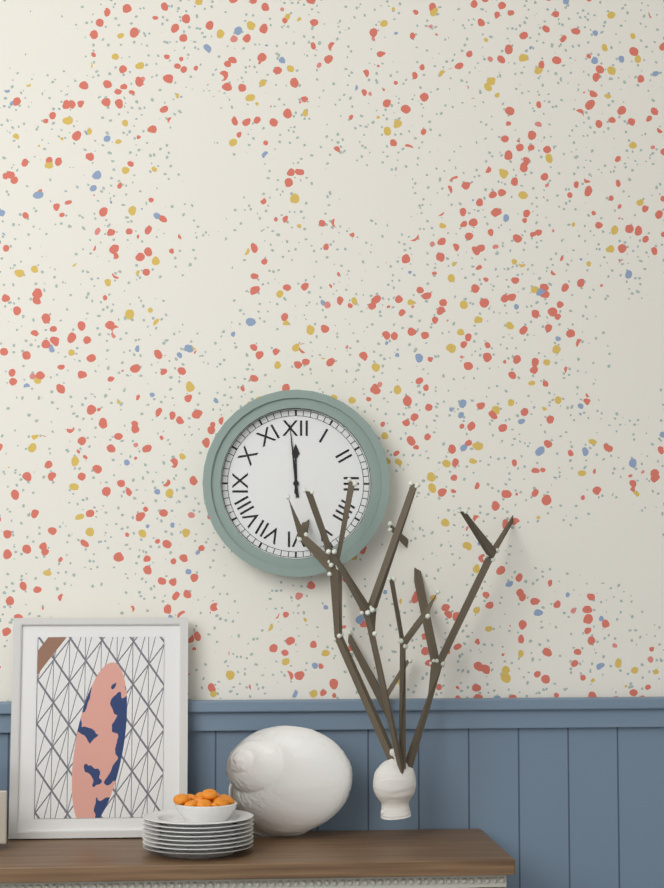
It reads 11:59
